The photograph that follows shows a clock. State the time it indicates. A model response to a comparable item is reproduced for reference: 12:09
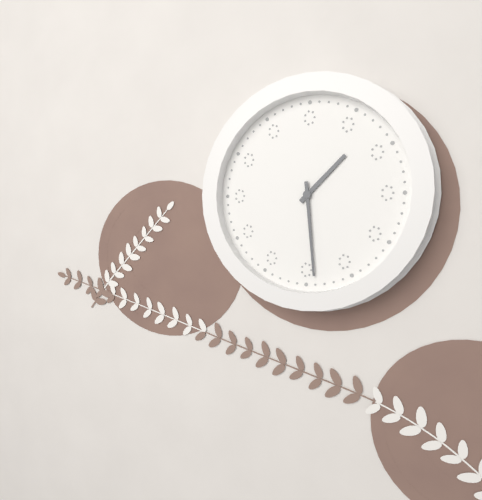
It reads 1:29
